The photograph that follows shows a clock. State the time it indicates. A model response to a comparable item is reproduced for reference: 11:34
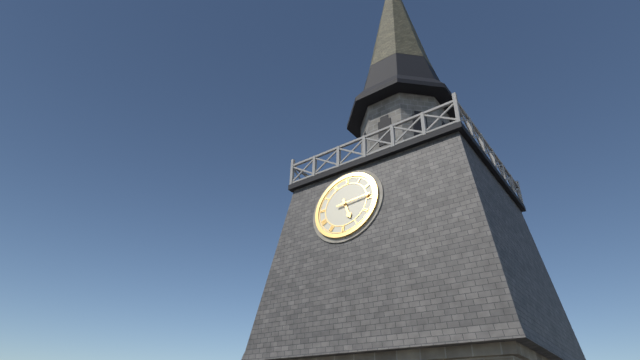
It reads 5:14
